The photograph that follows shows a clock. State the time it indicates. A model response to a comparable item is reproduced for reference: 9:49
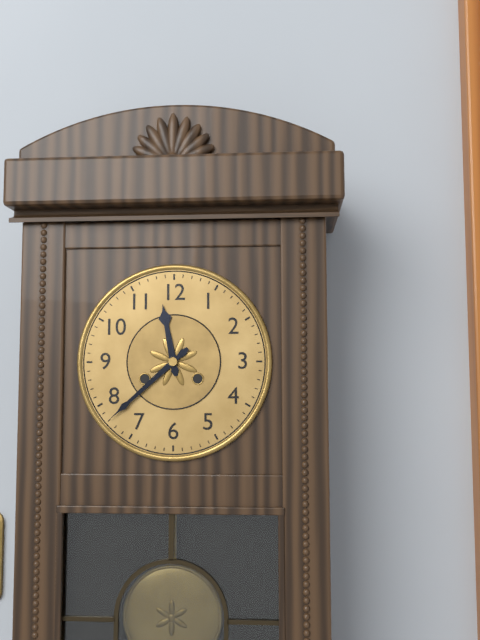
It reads 11:38
